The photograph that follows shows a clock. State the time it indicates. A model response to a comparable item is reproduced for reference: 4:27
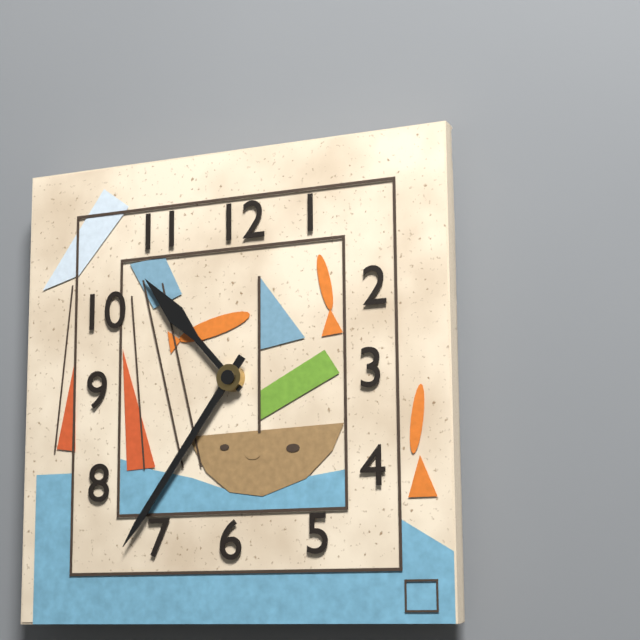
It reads 10:36
